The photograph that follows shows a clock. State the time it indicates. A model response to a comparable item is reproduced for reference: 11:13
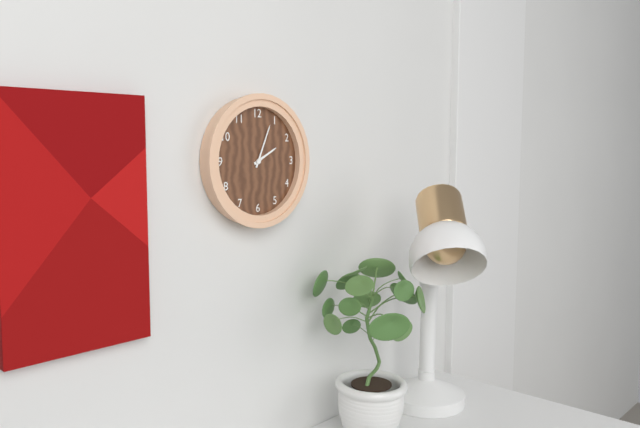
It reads 2:04
